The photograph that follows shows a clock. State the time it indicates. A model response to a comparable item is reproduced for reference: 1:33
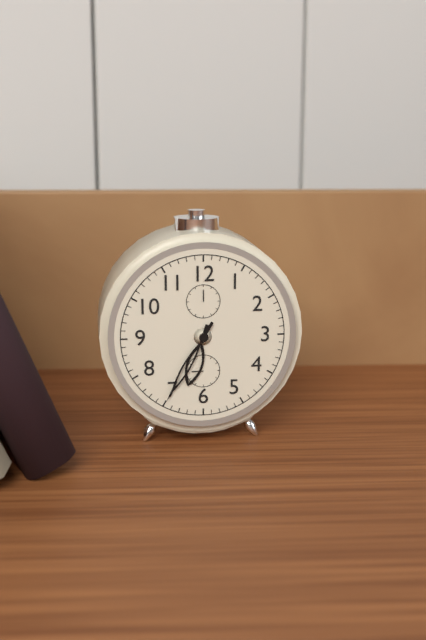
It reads 6:35
